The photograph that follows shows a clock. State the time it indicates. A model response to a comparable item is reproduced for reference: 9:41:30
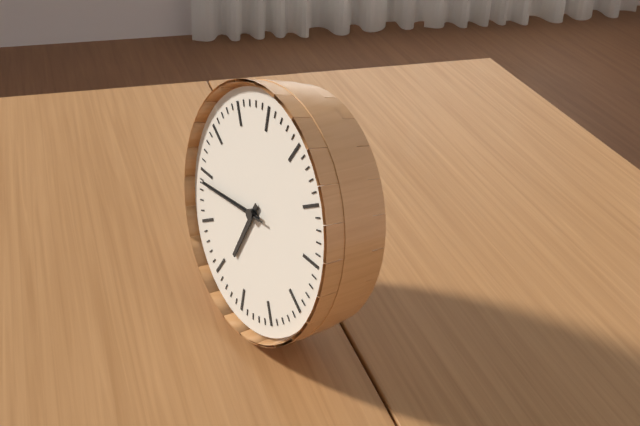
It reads 6:44:44
